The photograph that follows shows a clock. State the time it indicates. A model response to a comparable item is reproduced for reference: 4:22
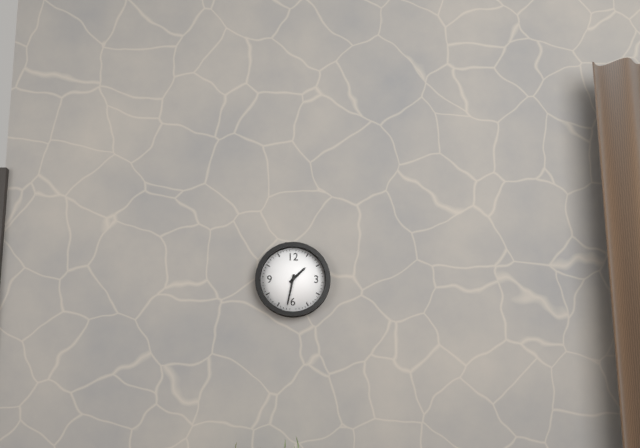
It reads 1:32
